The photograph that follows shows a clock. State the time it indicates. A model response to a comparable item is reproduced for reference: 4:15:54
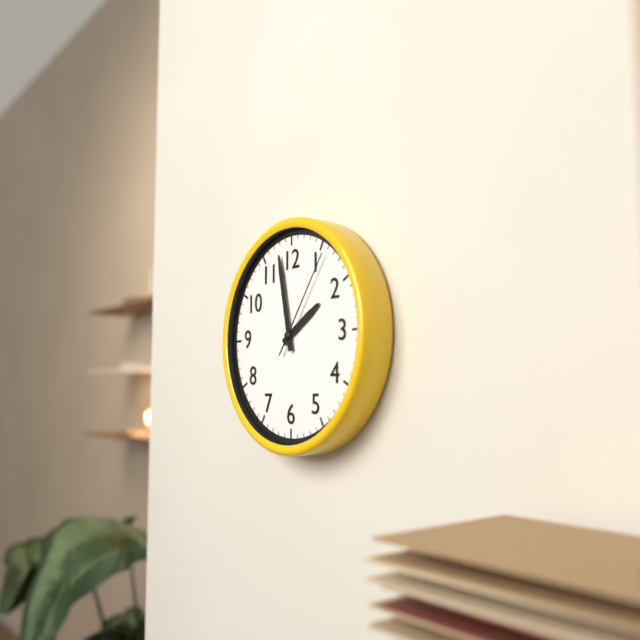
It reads 1:58:06
